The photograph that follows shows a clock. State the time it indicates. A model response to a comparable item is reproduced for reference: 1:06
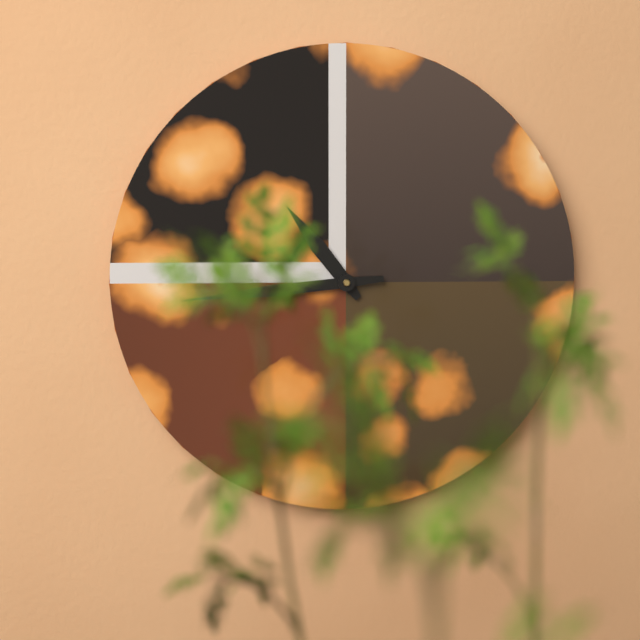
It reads 10:44
